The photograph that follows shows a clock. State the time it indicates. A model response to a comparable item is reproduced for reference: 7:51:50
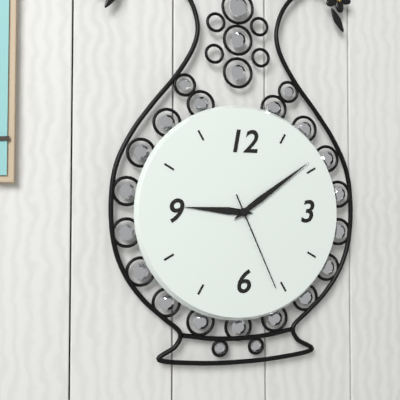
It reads 9:09:26
